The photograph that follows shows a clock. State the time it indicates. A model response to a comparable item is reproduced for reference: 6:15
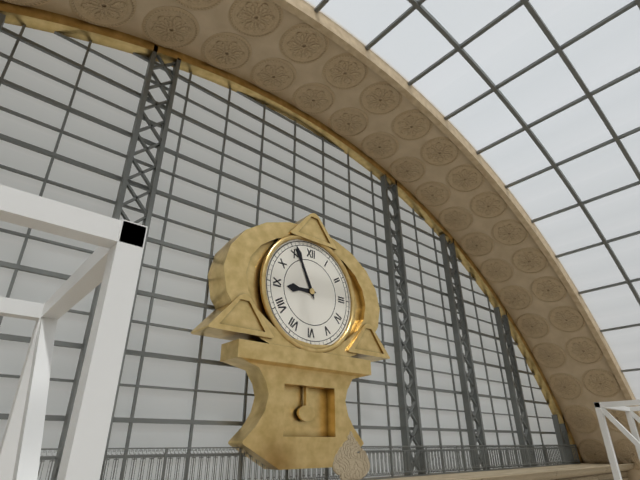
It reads 8:56
